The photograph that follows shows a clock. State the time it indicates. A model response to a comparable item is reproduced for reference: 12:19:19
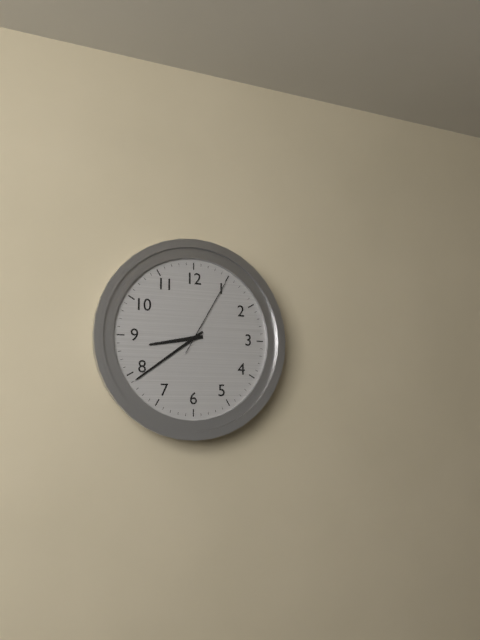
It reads 8:39:05
